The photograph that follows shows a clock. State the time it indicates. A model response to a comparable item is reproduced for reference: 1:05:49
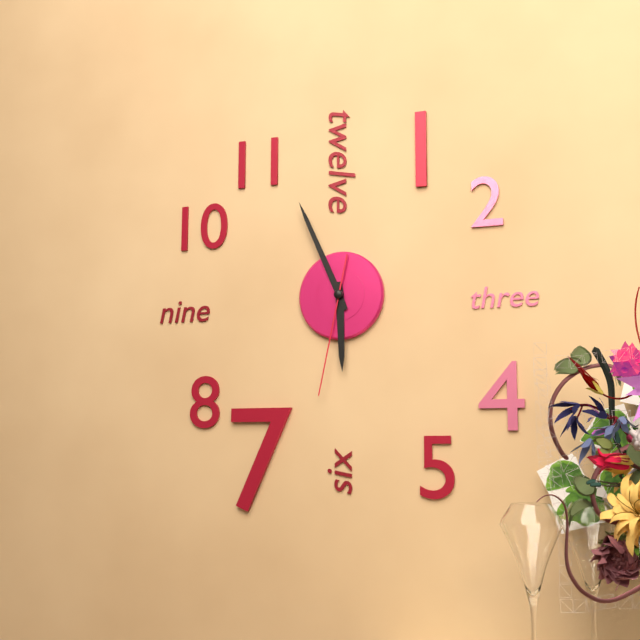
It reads 5:56:32
